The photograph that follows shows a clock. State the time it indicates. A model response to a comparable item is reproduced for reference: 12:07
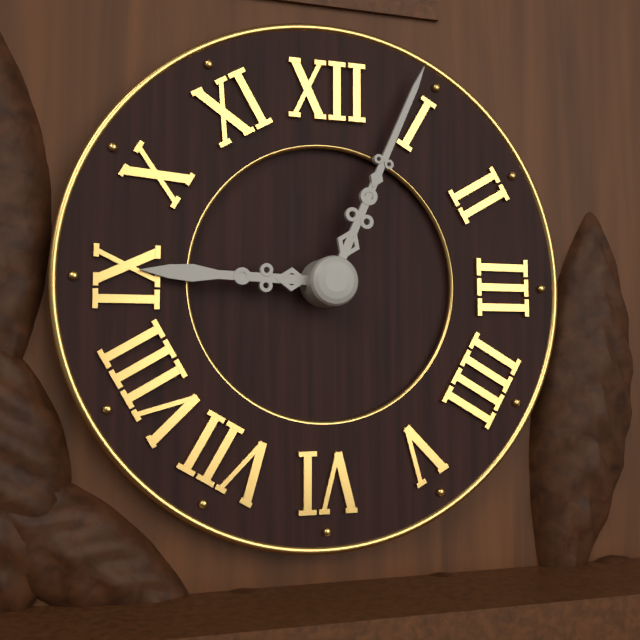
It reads 9:04
